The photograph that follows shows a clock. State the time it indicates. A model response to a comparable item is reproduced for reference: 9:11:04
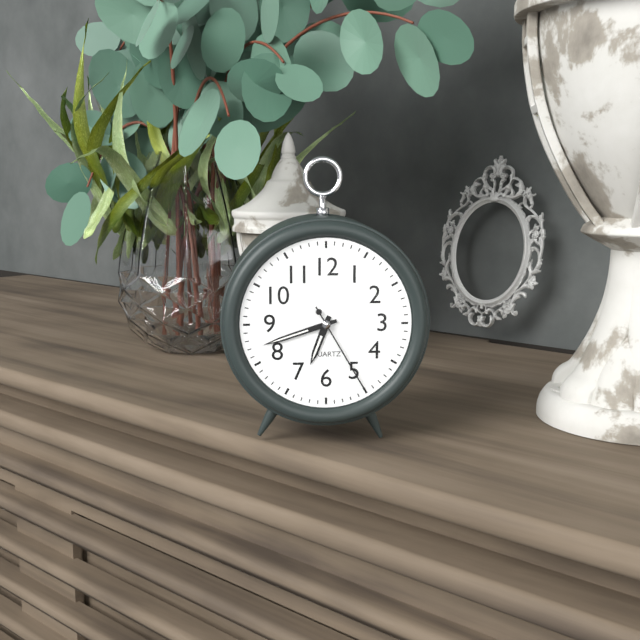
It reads 6:42:25
